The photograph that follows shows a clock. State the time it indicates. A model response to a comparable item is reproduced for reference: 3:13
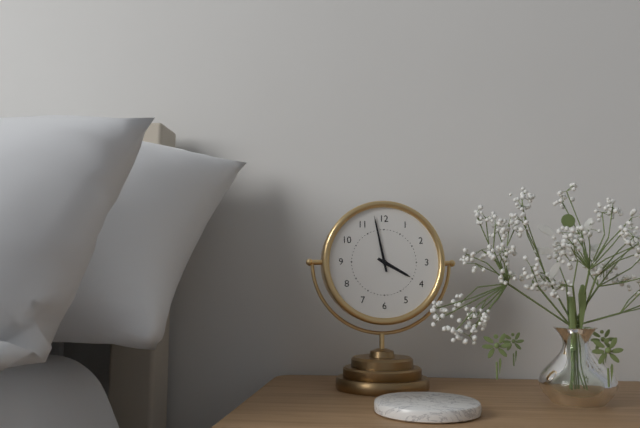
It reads 3:58
